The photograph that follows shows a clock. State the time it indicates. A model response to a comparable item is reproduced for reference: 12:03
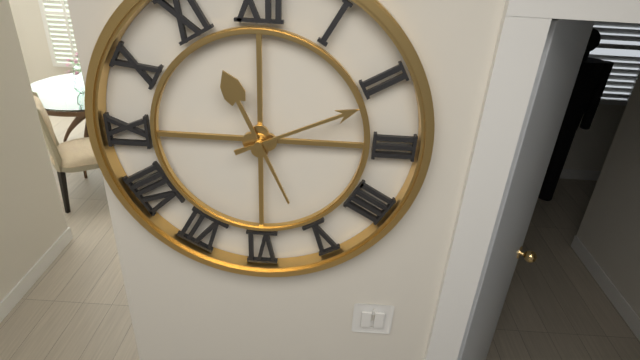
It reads 11:11
